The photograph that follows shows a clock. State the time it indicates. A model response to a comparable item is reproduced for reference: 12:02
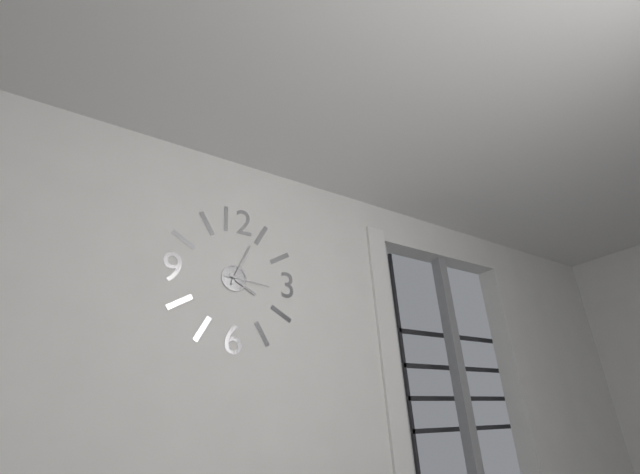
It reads 4:04
